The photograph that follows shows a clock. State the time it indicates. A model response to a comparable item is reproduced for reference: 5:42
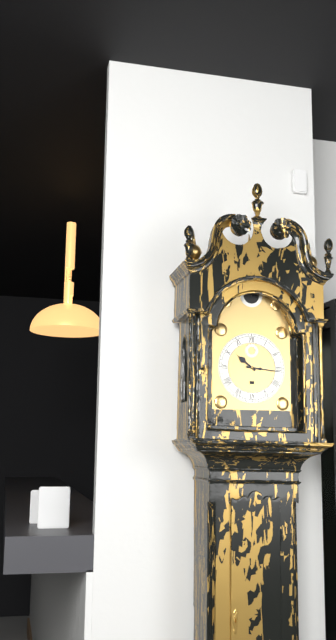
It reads 10:16
